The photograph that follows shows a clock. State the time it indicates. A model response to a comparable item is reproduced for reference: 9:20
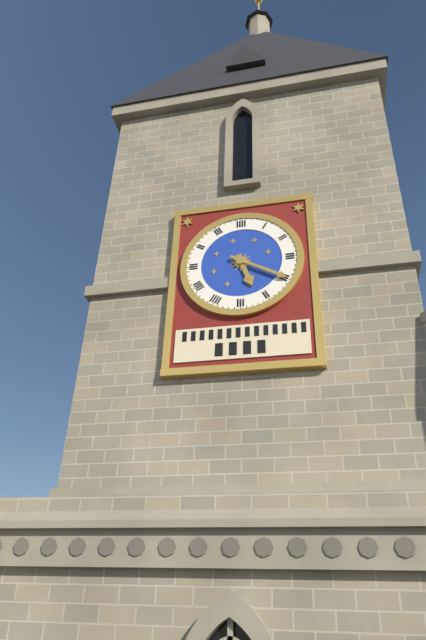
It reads 5:20
